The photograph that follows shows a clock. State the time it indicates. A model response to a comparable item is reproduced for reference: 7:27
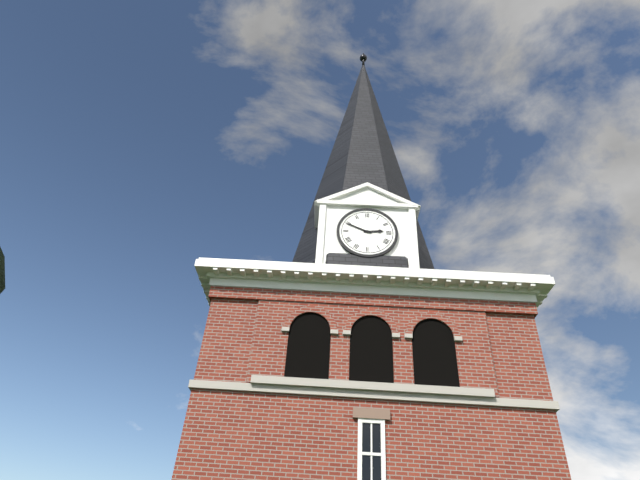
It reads 2:49
